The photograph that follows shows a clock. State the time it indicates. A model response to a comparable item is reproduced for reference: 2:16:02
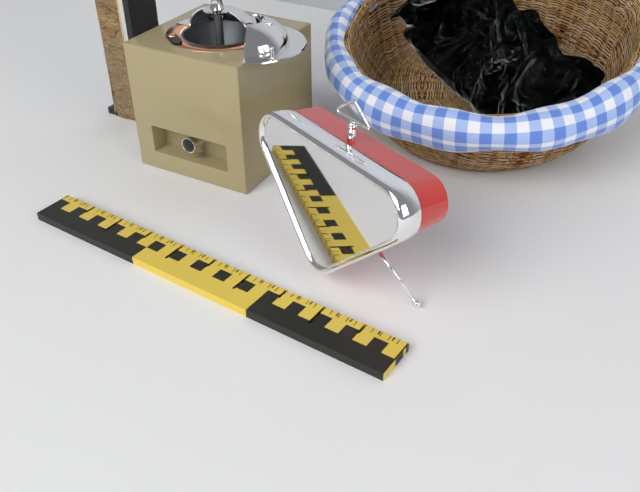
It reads 12:30:59
